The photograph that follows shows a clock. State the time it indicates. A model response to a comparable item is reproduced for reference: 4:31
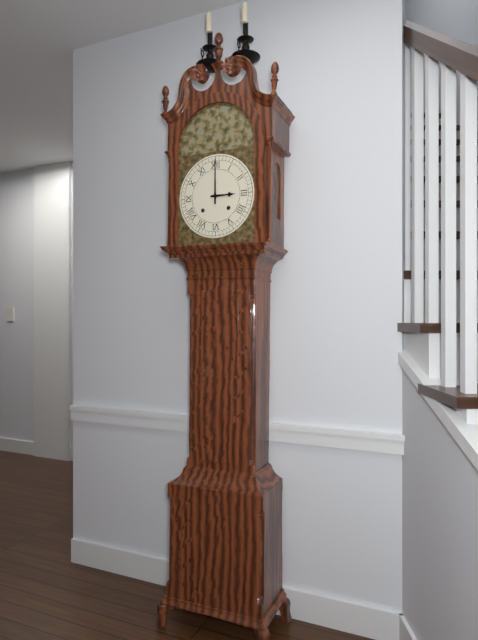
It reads 3:00
